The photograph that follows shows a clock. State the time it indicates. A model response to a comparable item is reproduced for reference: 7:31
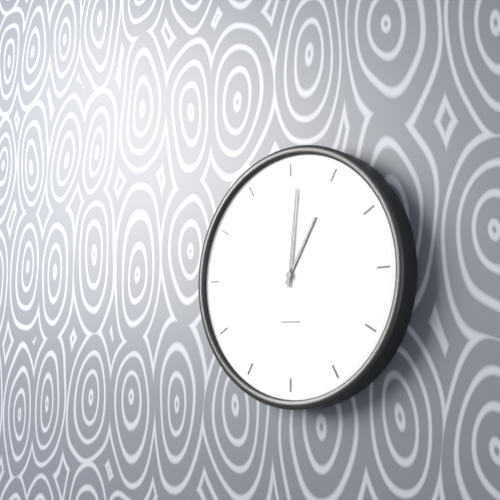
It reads 1:01
